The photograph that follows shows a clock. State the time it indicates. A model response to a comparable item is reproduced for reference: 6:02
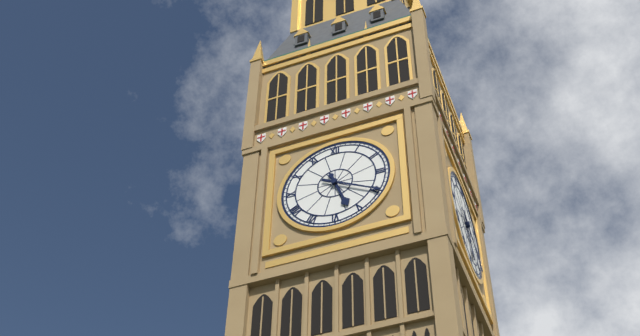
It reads 5:20
